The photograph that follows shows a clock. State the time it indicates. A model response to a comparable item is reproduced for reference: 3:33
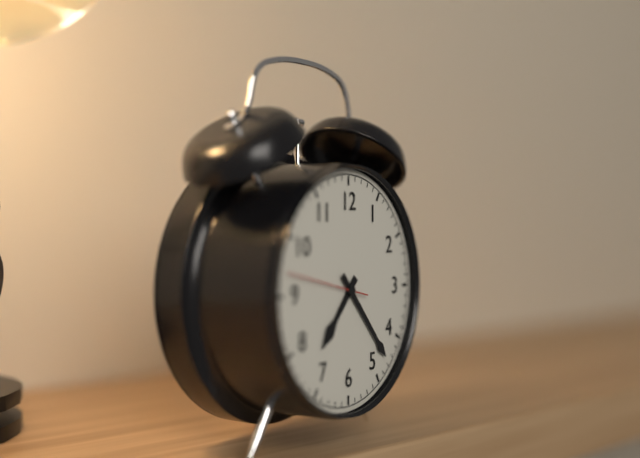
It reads 7:23
